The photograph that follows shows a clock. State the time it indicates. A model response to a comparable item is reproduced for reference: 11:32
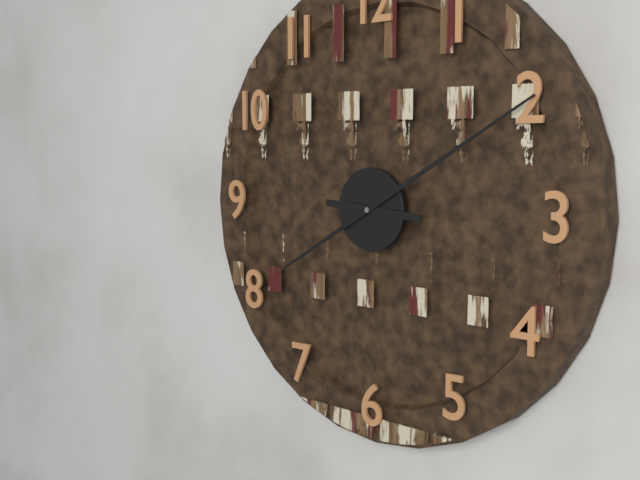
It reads 3:10
